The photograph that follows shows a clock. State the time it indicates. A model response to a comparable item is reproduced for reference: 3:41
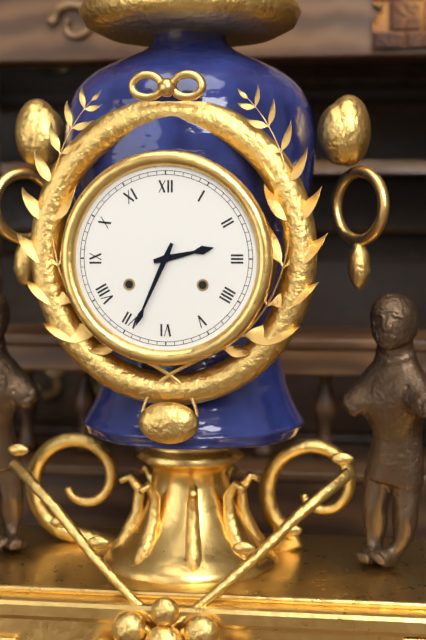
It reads 2:34
